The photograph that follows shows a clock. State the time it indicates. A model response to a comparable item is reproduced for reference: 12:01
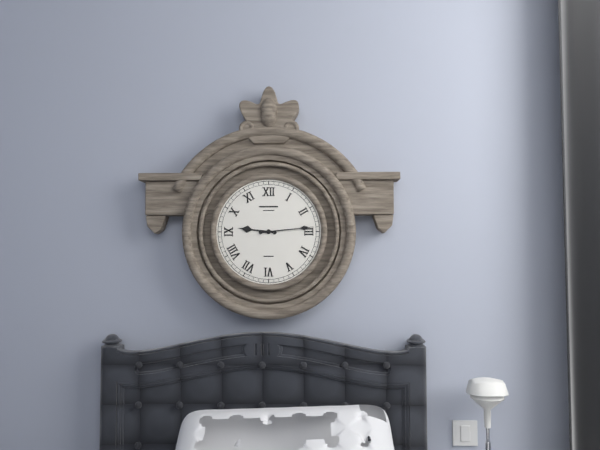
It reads 9:14
